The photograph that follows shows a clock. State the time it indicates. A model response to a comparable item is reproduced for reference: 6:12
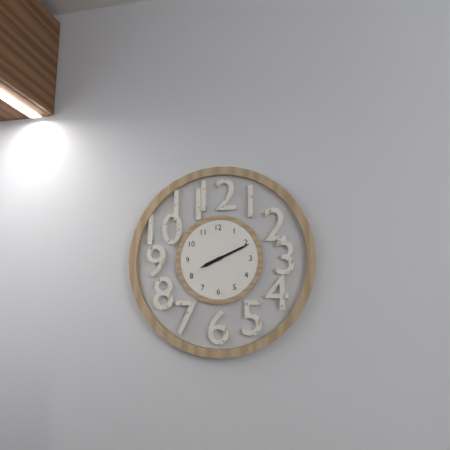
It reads 8:11
